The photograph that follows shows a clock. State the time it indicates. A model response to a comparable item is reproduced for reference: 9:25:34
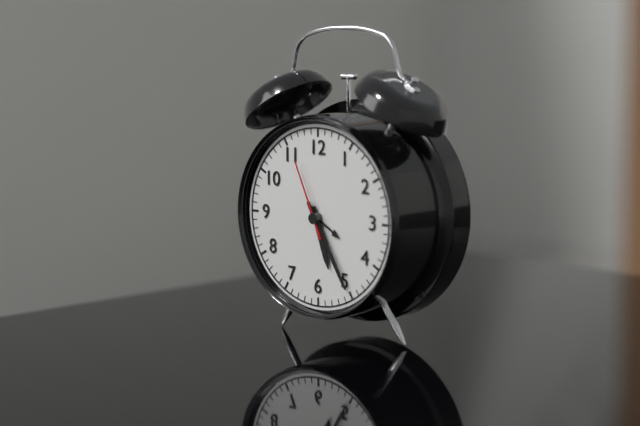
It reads 5:25:56
